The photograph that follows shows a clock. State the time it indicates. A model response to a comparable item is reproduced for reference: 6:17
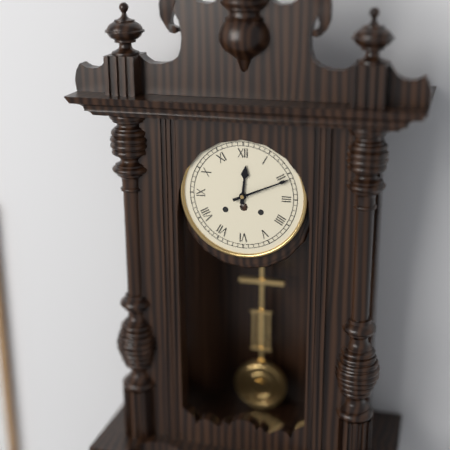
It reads 12:11
